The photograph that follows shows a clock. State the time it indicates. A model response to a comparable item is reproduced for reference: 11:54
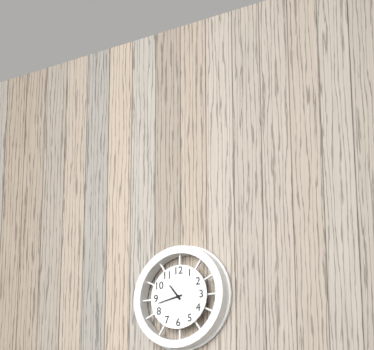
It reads 10:43
